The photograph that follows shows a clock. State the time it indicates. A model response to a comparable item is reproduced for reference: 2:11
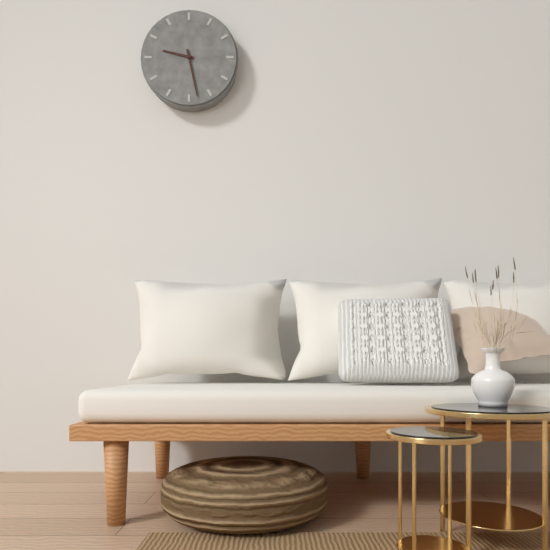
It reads 9:28
